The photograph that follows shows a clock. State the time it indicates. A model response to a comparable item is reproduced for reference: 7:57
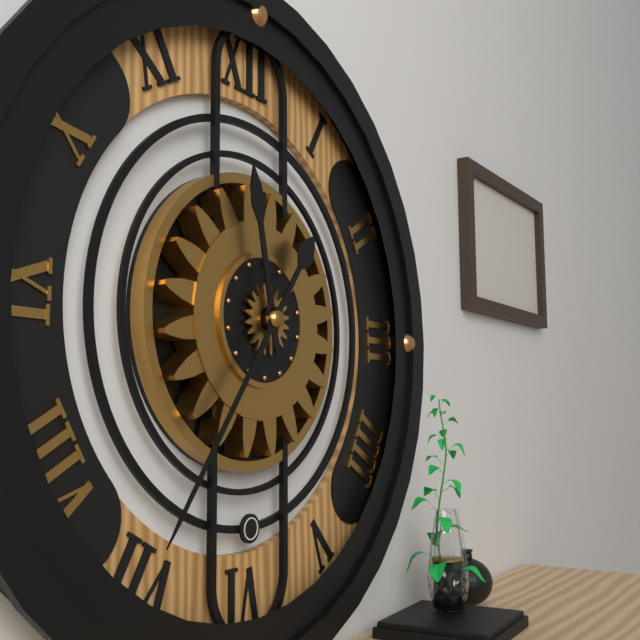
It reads 11:36
